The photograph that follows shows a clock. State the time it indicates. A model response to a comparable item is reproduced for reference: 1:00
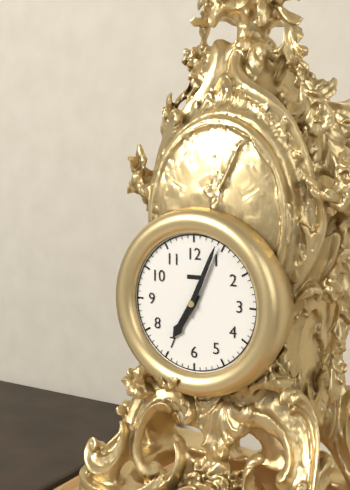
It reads 7:04
